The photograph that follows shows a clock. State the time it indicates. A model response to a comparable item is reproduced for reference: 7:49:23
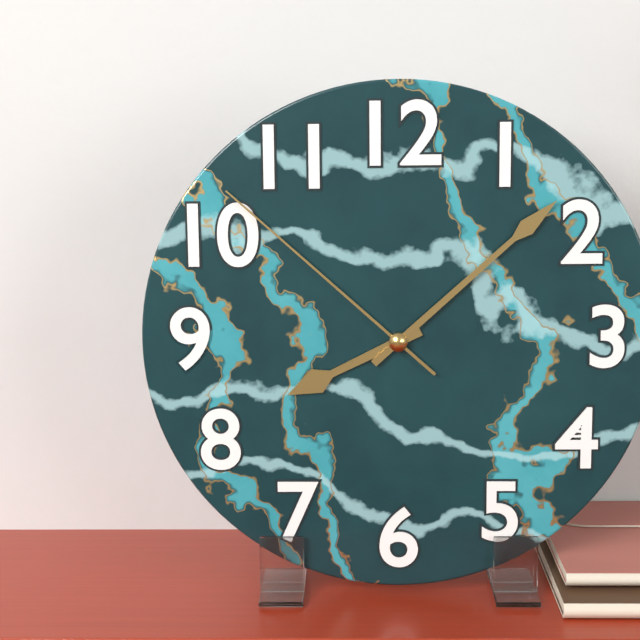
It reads 8:08:52
